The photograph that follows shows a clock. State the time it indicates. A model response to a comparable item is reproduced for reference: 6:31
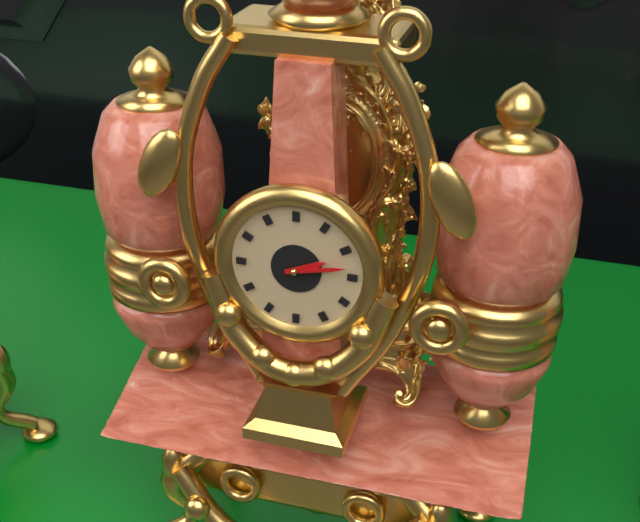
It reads 2:13
